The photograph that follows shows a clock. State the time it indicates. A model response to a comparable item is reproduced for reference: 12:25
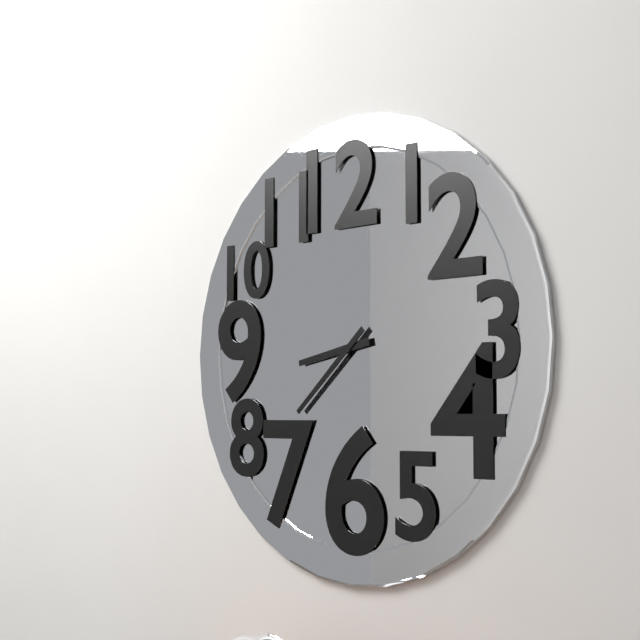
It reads 8:38
